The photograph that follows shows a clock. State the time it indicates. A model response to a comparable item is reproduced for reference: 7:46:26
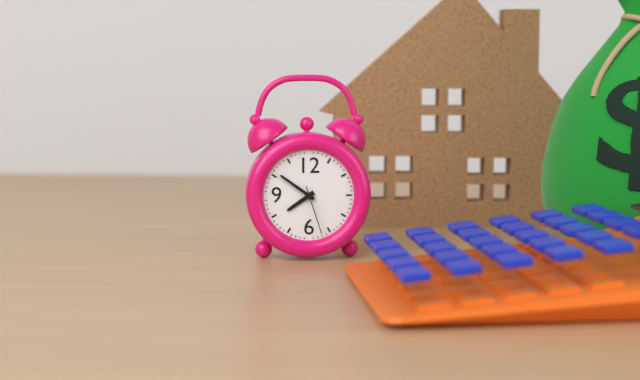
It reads 7:51:27
